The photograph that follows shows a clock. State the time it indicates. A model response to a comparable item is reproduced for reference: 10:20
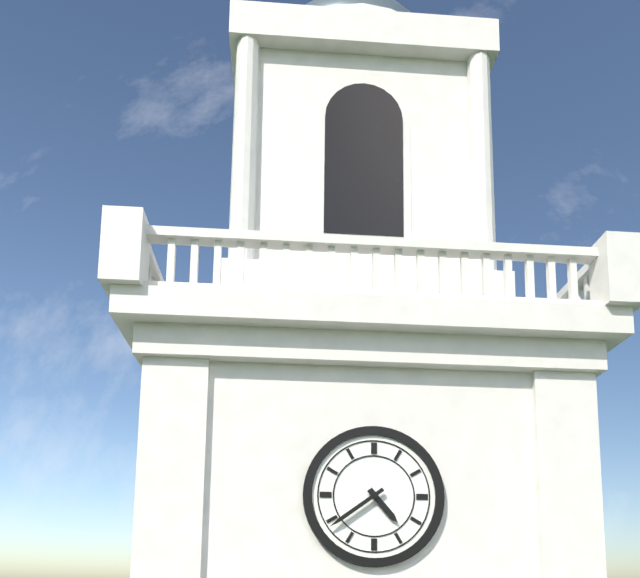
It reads 4:39
